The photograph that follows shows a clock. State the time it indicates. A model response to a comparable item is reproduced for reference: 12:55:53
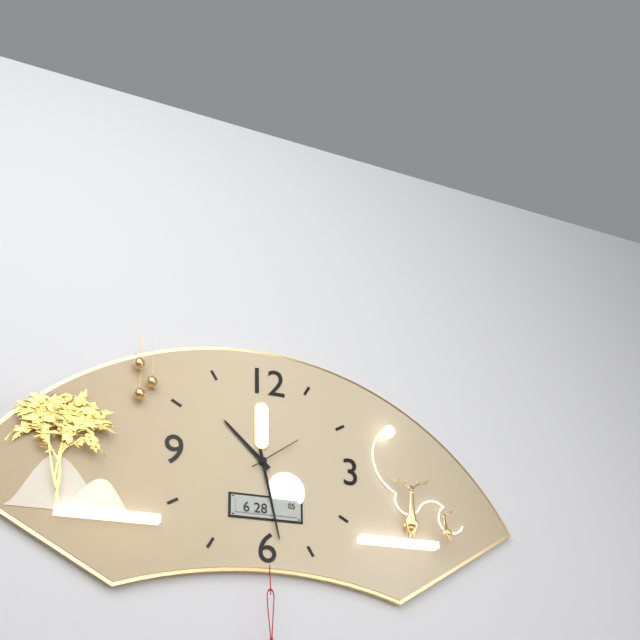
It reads 10:28:09
